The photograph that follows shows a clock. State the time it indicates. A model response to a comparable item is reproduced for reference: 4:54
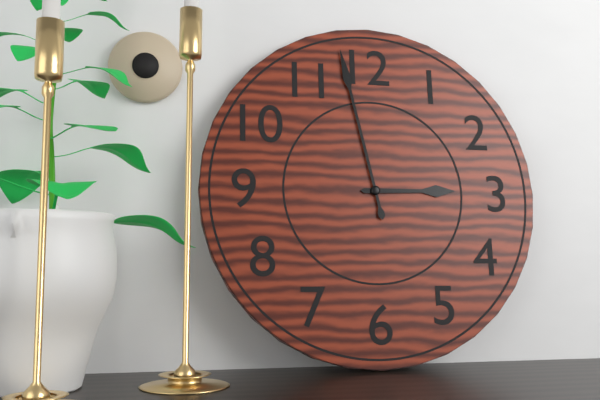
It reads 2:58
